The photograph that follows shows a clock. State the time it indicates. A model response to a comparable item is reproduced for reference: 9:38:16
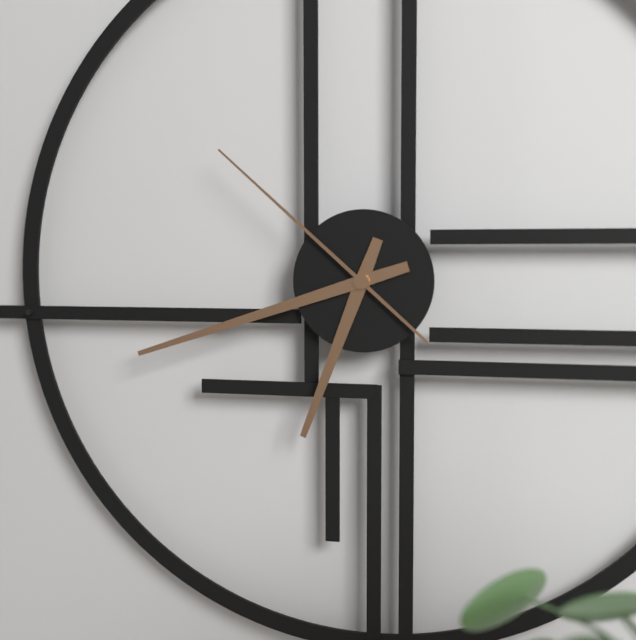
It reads 6:42:52
